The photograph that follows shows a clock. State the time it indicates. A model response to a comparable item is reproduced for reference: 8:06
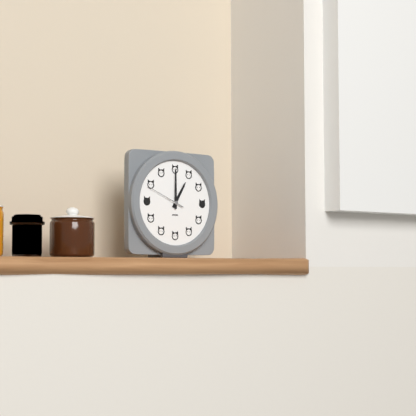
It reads 1:00
